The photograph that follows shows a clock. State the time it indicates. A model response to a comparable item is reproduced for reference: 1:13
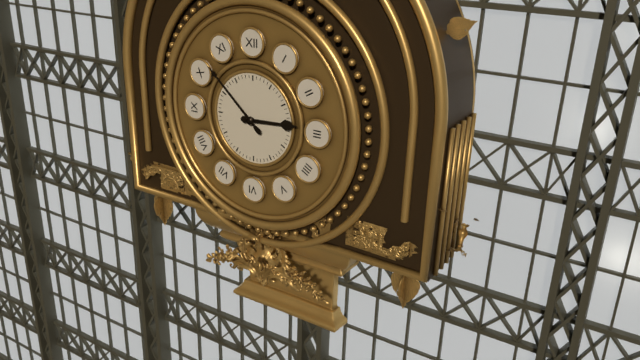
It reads 2:52
